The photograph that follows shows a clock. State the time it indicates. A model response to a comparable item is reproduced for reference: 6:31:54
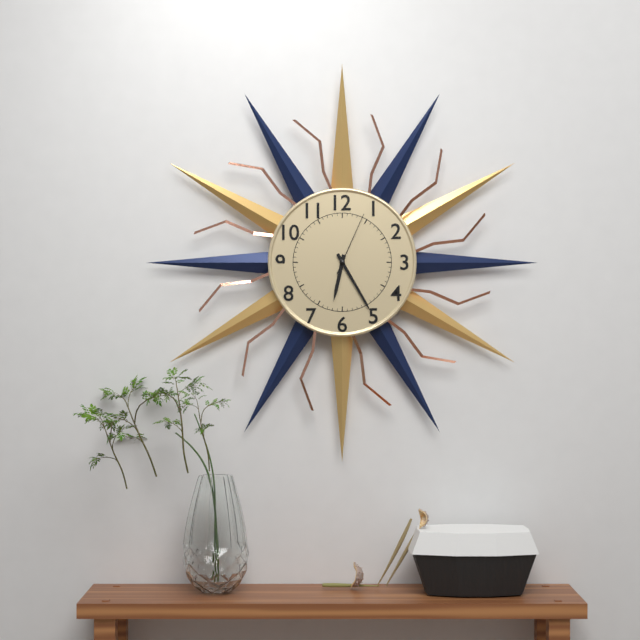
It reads 6:25:04
